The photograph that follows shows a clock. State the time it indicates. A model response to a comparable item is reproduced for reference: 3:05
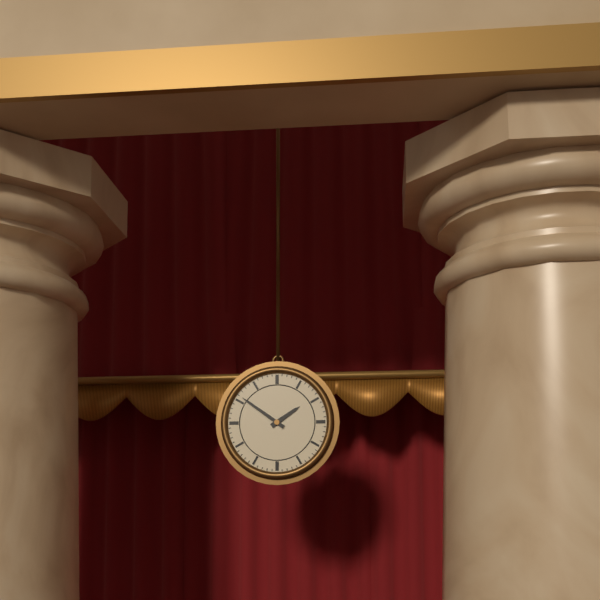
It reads 1:51
